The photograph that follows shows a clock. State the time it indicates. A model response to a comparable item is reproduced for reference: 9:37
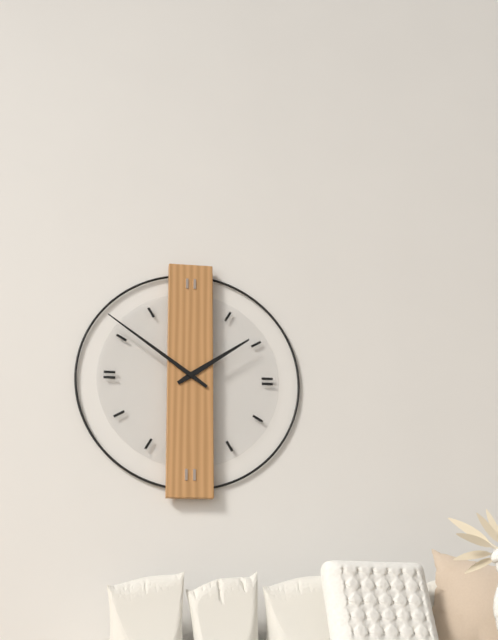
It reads 1:51
